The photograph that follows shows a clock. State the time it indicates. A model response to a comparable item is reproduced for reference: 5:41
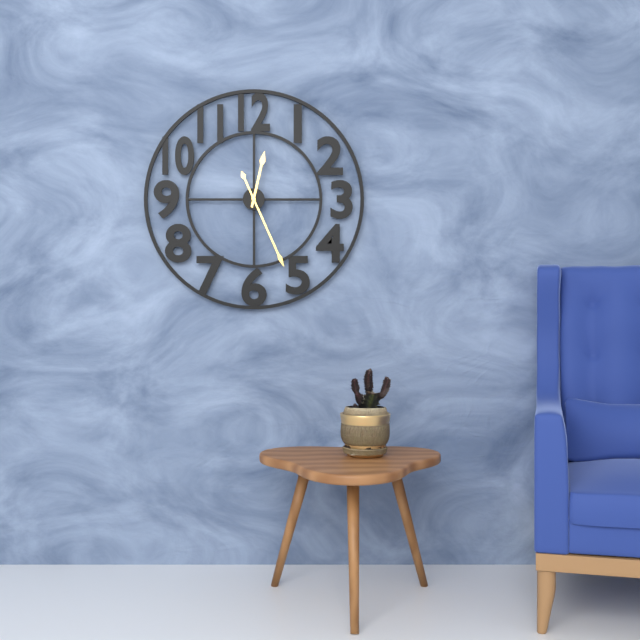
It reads 12:26
